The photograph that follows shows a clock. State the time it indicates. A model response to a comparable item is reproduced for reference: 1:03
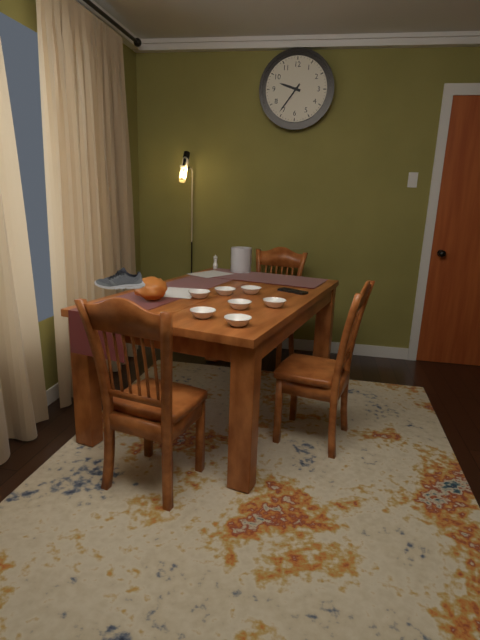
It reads 9:36
